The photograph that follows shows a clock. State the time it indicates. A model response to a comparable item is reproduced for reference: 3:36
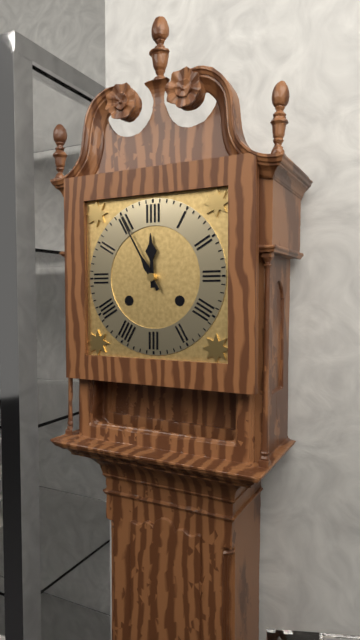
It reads 11:55
